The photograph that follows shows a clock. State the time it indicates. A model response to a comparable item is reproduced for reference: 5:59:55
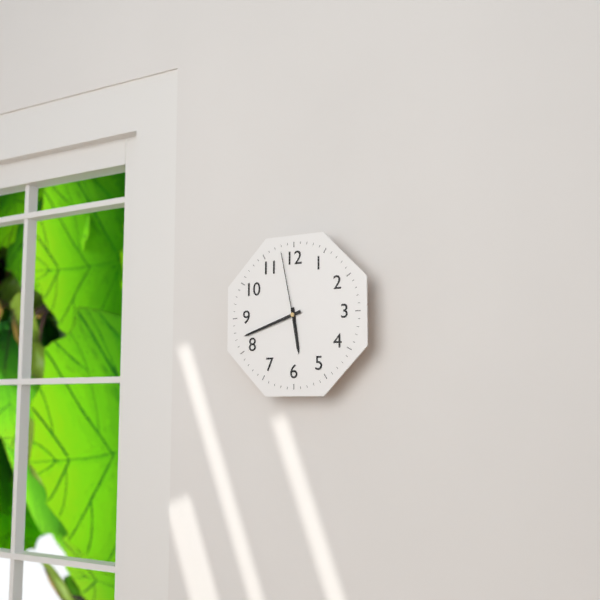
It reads 5:42:58
